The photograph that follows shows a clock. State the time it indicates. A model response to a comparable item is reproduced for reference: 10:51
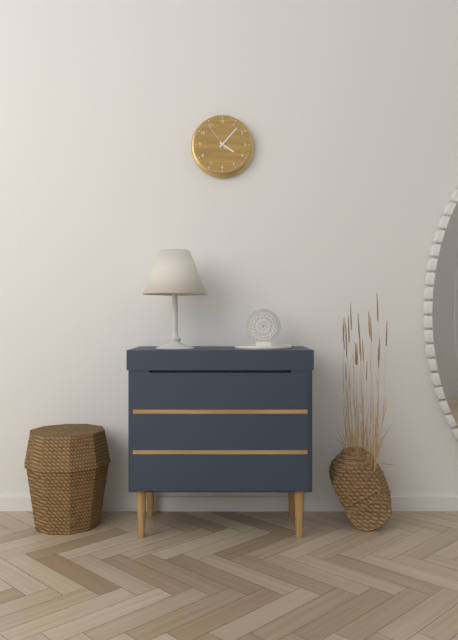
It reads 4:07
